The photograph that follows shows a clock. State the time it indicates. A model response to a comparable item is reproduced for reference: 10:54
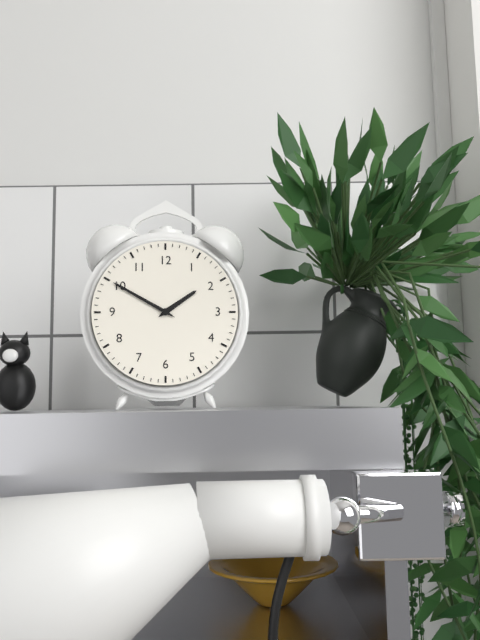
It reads 1:50
